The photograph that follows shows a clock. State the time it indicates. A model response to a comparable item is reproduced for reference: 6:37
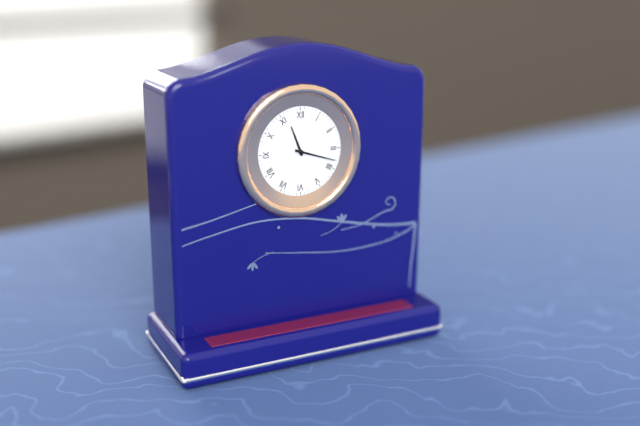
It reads 11:18
